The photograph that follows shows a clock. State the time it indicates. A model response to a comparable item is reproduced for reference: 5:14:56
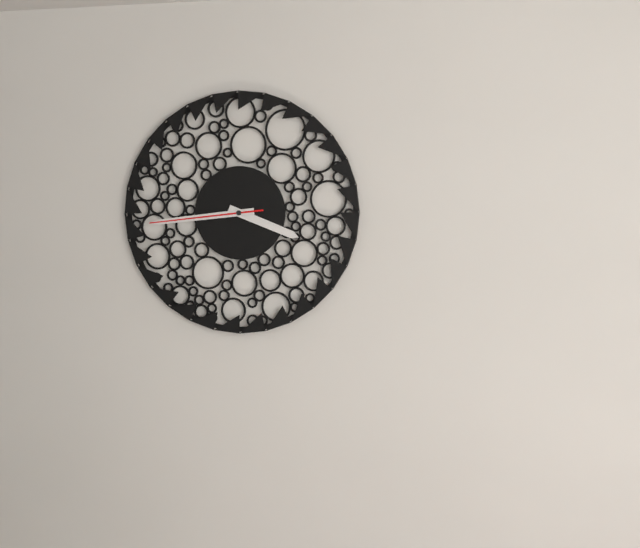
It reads 3:44:44
